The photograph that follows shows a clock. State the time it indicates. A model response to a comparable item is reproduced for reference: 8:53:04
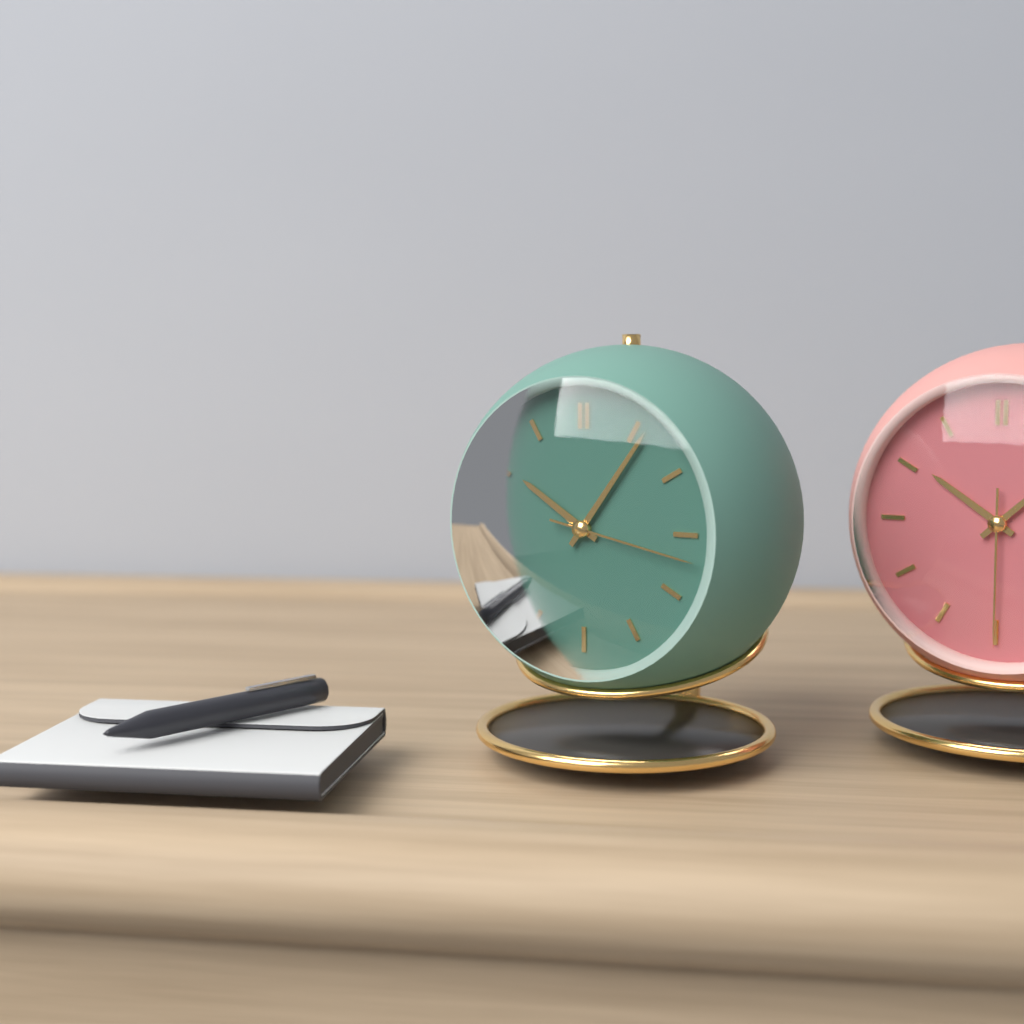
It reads 10:06:17
